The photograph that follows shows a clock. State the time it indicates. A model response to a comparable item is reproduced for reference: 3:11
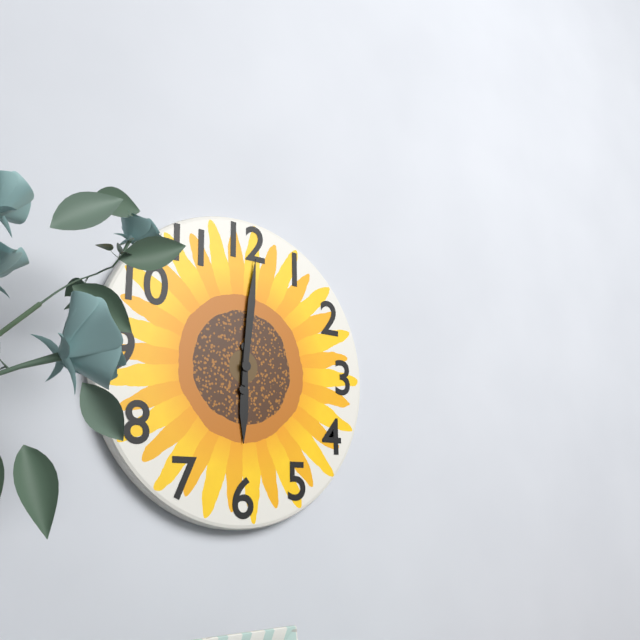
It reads 6:01
